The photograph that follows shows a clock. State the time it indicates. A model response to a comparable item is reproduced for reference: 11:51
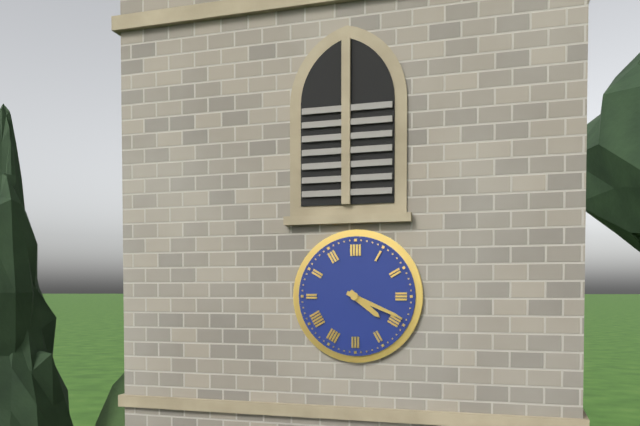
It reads 4:19
